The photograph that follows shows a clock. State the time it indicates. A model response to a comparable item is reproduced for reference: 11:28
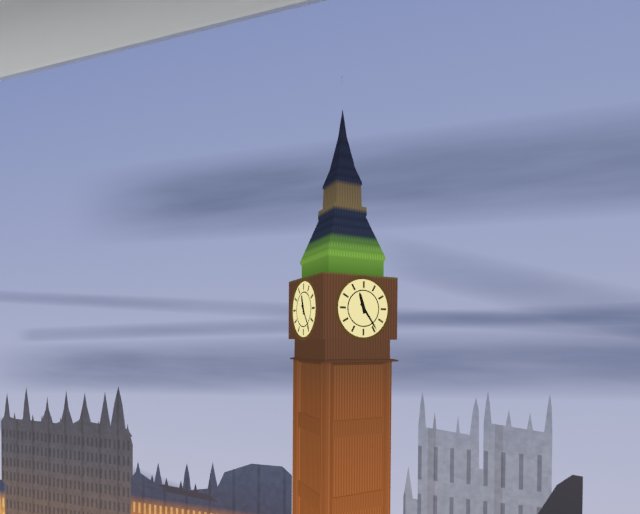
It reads 11:24
